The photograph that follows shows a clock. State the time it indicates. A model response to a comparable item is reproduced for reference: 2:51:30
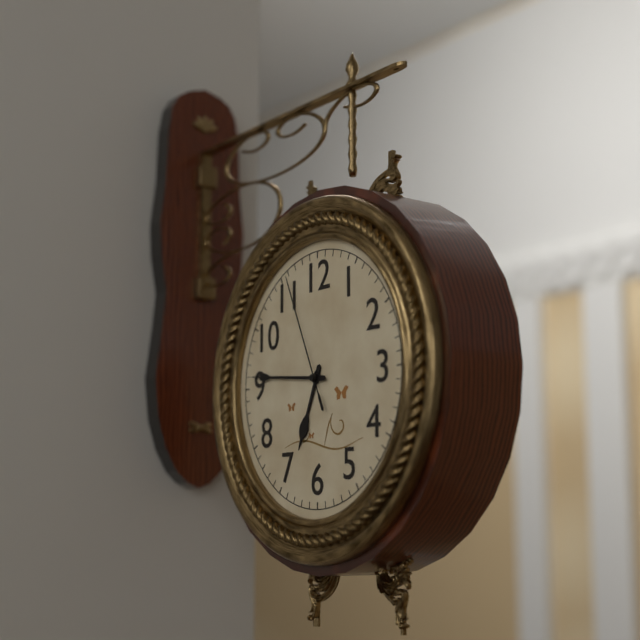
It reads 6:46:56
